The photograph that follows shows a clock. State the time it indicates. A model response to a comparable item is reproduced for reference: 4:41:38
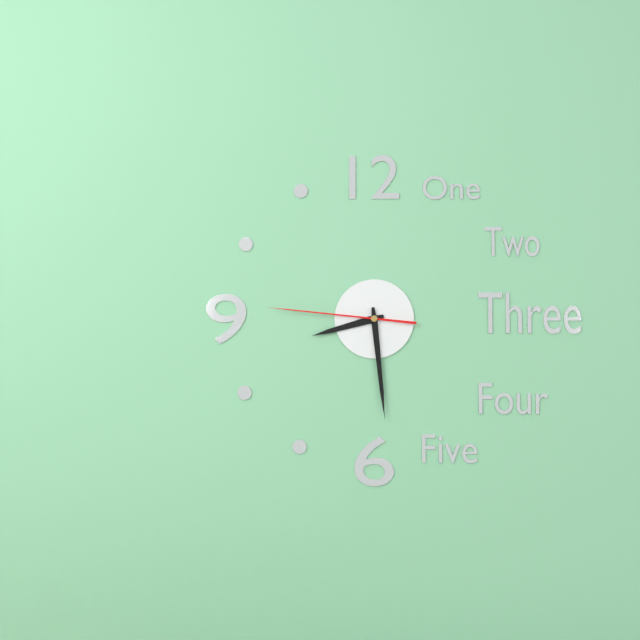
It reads 8:29:46
